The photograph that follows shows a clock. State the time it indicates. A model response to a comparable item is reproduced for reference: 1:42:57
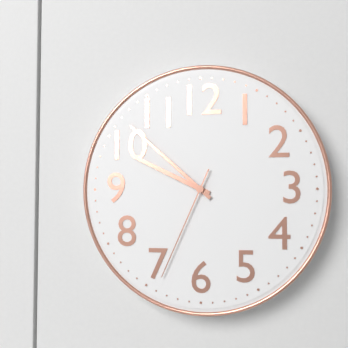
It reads 9:52:34
